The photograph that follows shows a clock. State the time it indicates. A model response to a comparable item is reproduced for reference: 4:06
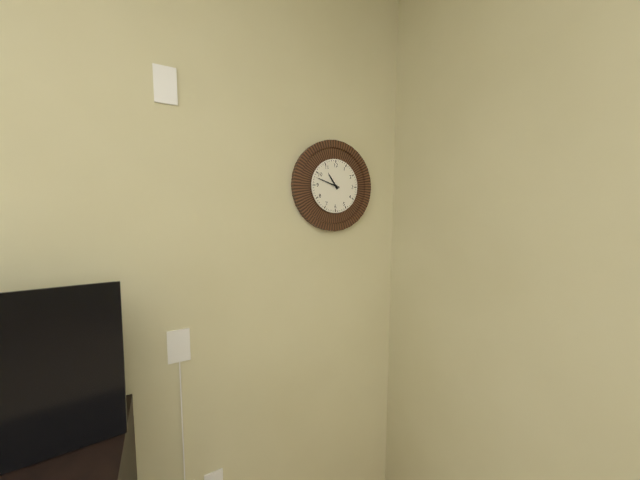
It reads 10:48
